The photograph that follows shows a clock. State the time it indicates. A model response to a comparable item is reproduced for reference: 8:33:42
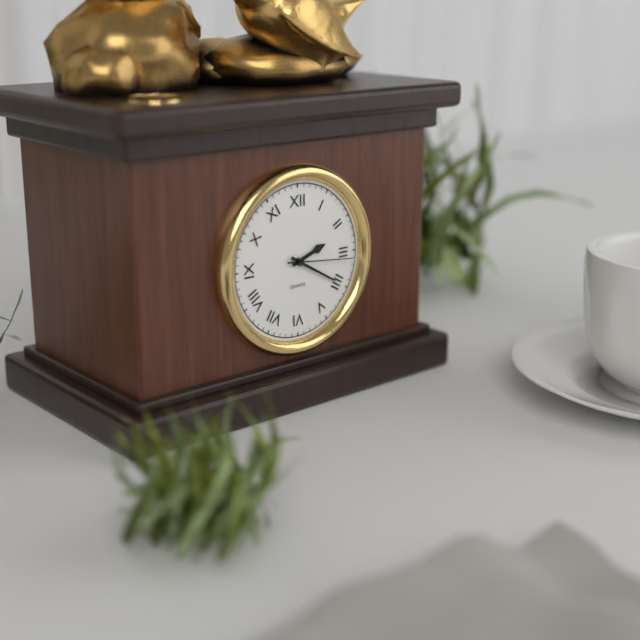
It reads 2:20:16
